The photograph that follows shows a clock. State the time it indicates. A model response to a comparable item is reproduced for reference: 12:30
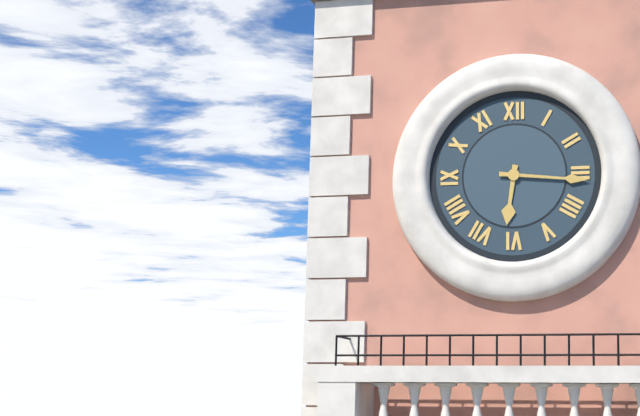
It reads 6:16
